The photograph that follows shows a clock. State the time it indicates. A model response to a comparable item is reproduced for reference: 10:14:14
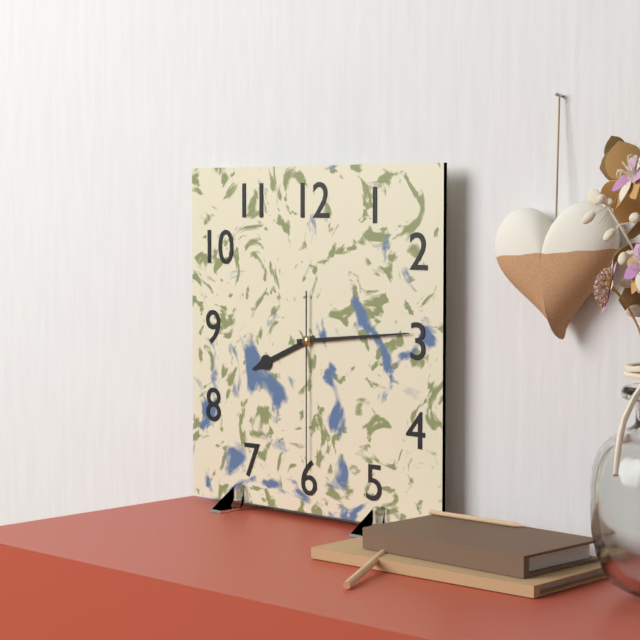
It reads 8:14:30
